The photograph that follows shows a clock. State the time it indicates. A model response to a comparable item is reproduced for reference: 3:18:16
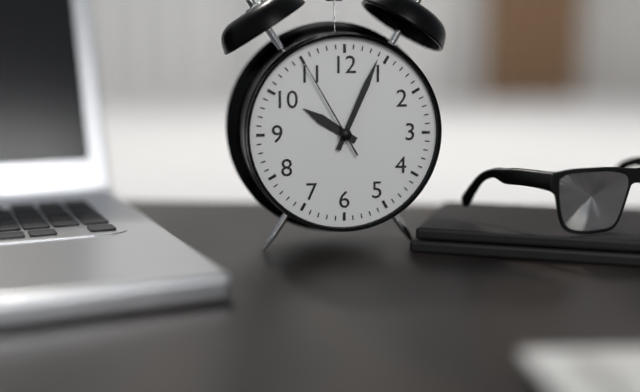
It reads 10:04:55
